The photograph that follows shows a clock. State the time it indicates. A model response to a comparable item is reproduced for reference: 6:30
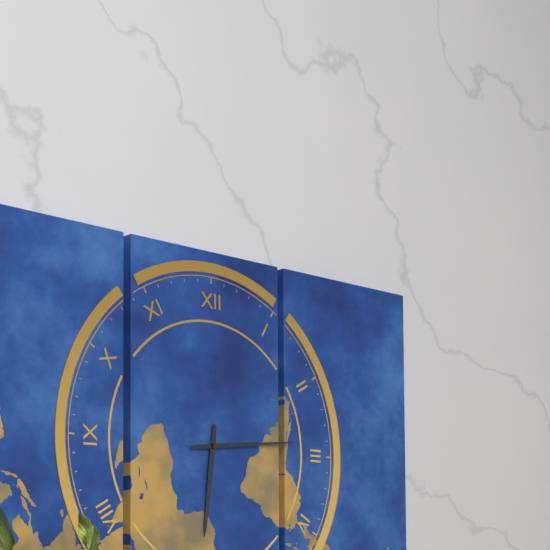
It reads 6:14
